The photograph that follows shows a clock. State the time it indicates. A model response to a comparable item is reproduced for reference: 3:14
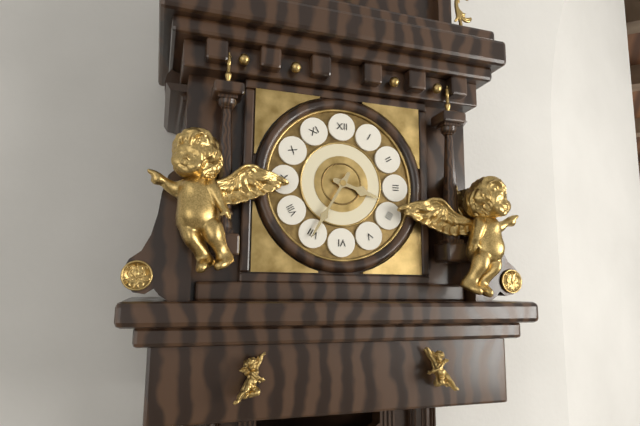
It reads 3:35
